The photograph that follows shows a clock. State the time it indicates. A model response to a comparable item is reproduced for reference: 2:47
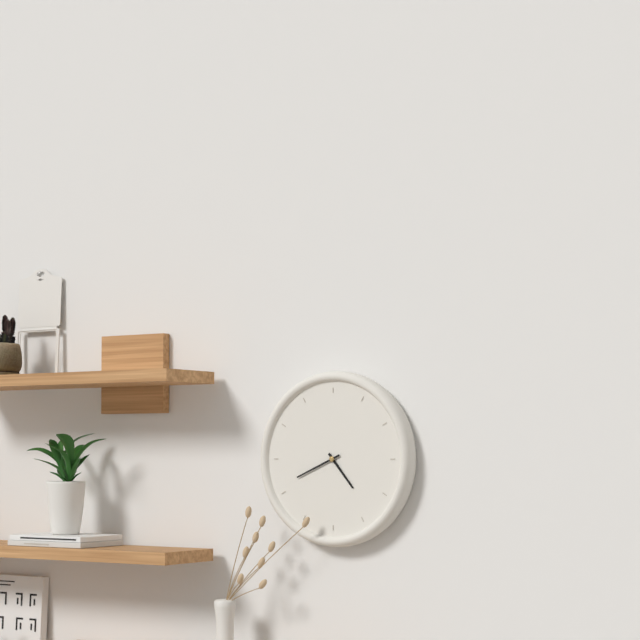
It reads 4:41
